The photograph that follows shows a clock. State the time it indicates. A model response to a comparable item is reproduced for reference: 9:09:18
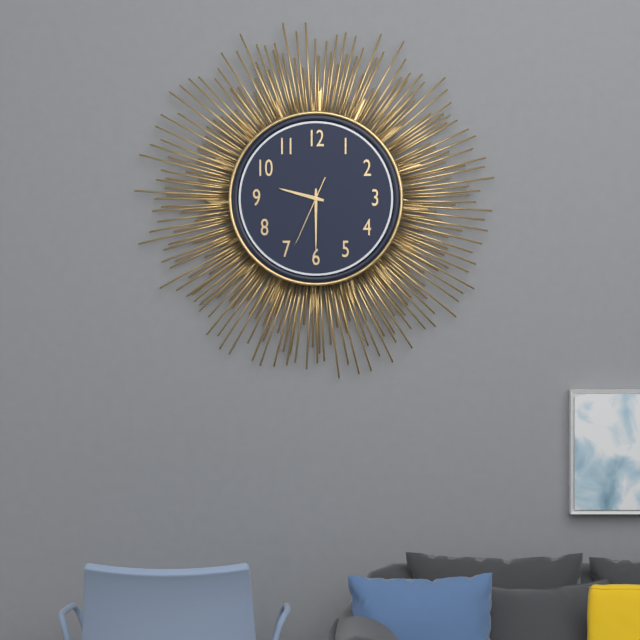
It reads 9:30:34
